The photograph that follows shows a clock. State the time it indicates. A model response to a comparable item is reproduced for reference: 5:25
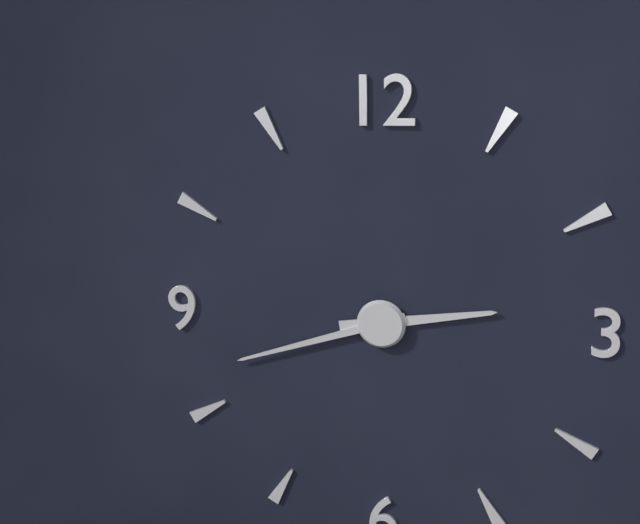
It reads 2:42
